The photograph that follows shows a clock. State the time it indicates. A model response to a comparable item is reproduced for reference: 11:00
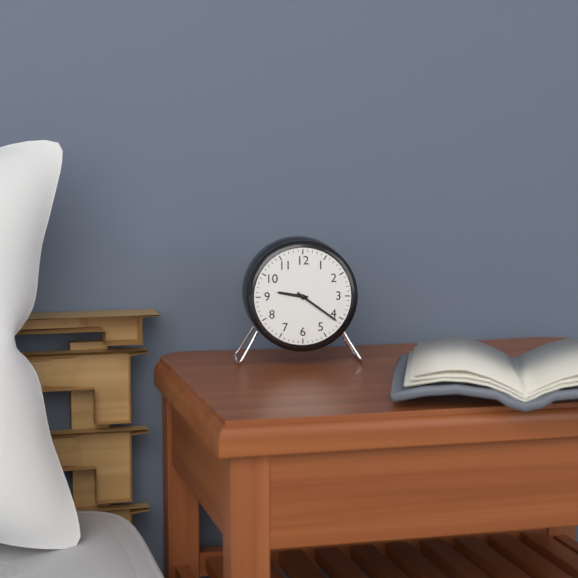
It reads 9:21
